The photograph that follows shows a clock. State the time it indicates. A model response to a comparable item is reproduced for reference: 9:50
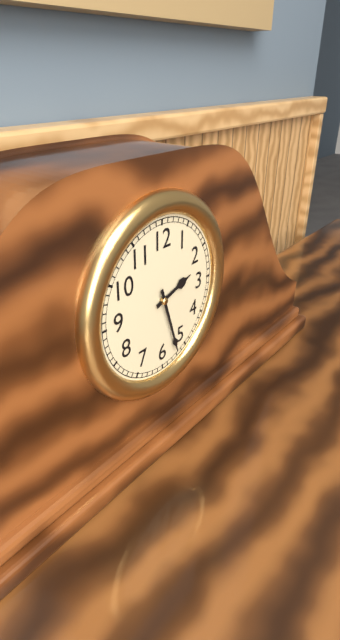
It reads 2:27
